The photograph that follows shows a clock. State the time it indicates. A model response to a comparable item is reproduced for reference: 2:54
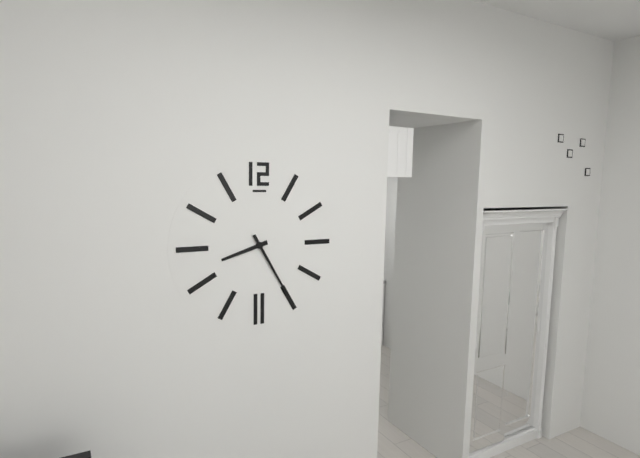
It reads 8:25
